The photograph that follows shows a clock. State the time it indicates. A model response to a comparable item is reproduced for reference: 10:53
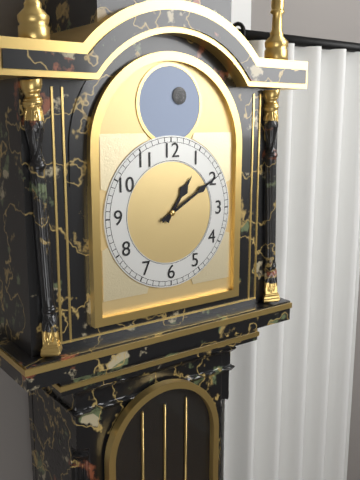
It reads 1:10
